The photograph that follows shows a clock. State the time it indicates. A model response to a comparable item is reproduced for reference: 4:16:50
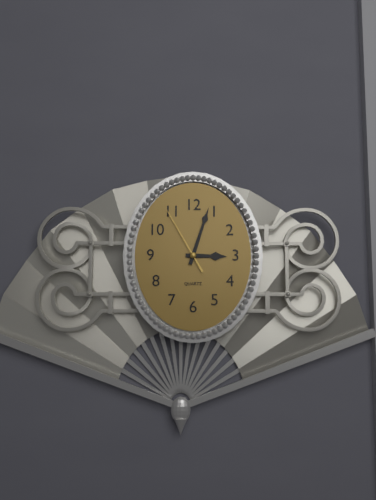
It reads 3:03:55
